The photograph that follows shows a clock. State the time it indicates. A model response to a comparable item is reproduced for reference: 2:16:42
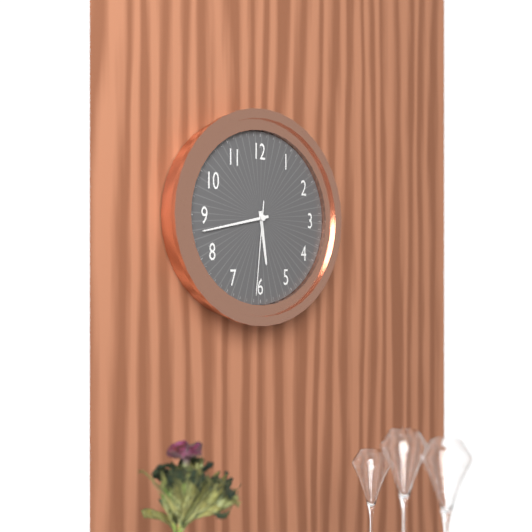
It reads 5:43:31
